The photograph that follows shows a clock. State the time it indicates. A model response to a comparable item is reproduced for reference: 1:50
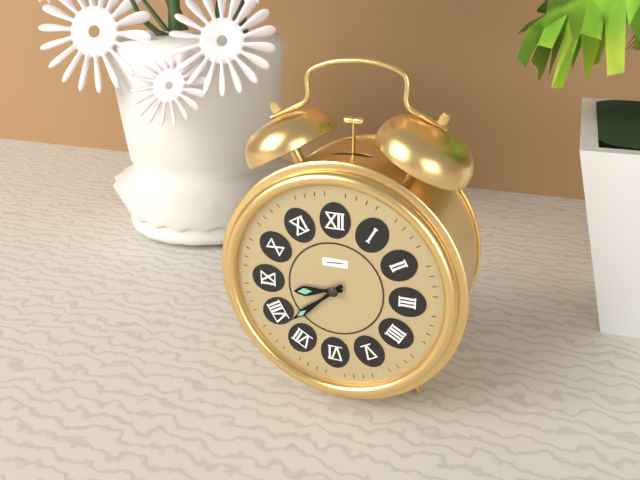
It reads 8:38
